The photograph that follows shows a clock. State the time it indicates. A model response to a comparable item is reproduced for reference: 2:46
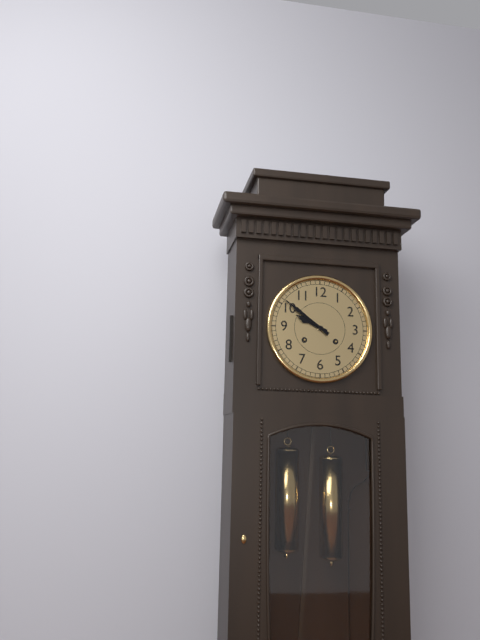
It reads 9:51
